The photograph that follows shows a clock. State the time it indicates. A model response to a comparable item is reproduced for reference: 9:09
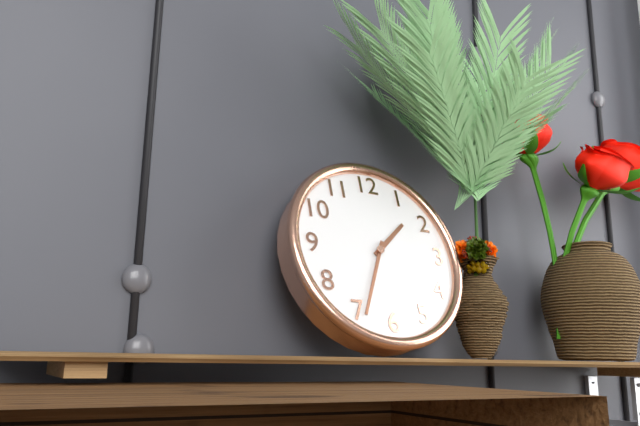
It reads 1:34
